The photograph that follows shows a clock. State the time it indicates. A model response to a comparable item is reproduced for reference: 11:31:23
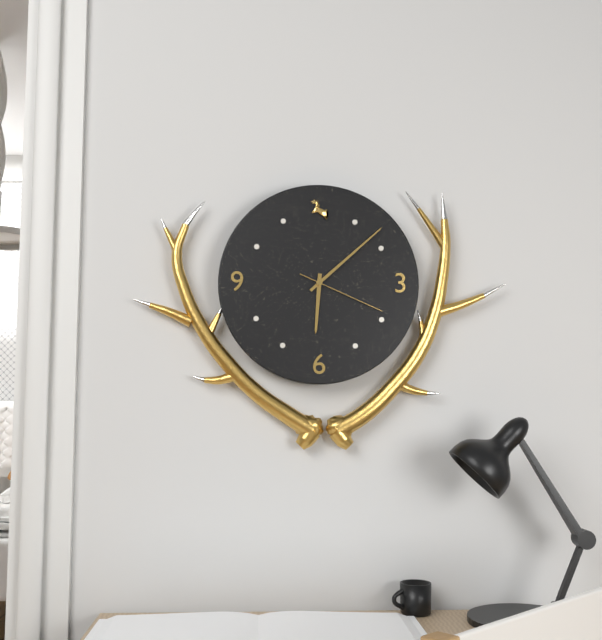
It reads 6:08:19
